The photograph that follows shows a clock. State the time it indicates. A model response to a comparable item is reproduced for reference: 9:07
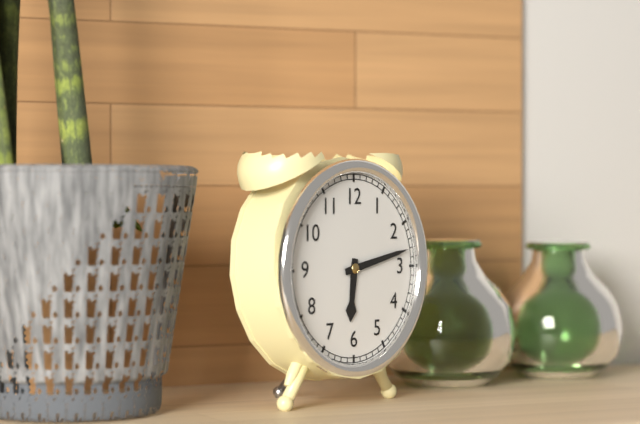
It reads 6:13
